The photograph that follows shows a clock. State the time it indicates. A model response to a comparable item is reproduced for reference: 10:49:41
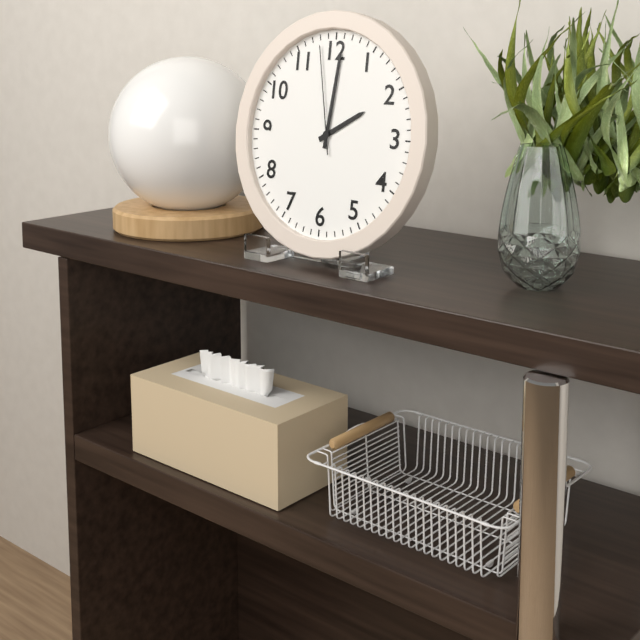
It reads 2:01:58
